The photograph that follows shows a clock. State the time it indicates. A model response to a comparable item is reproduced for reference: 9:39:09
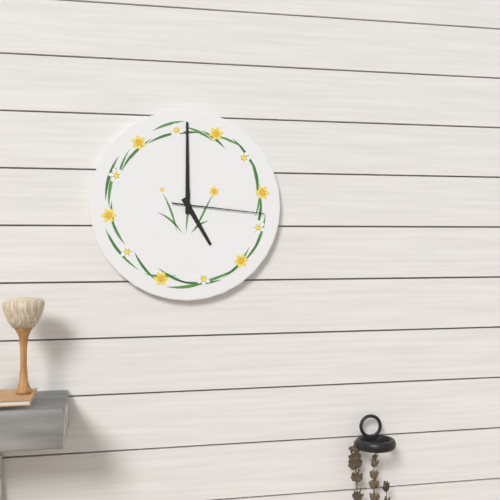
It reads 5:00:16
